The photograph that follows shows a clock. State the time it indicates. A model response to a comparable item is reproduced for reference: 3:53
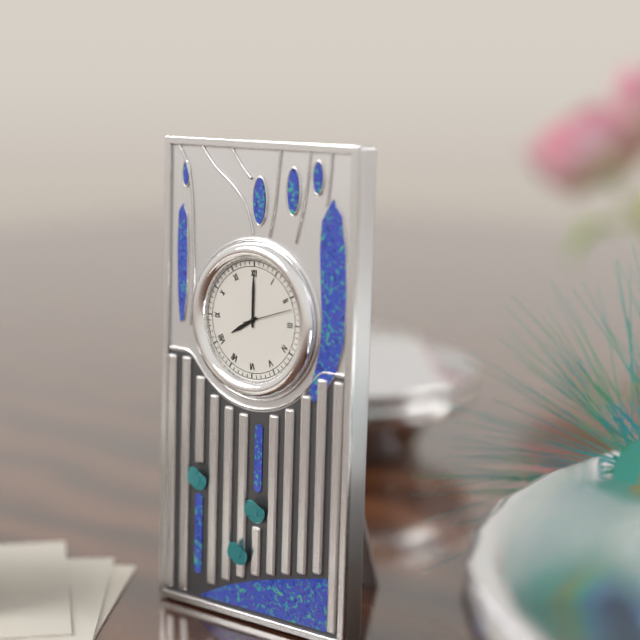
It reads 8:00
